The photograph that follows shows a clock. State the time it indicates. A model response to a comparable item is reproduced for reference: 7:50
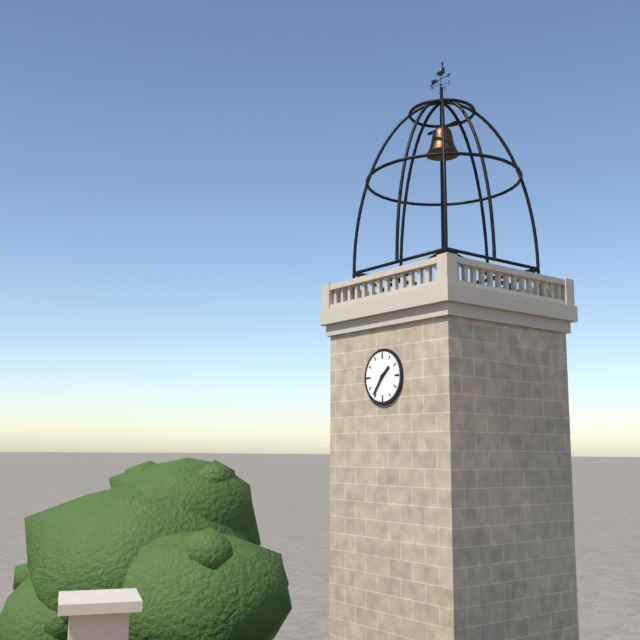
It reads 1:36
